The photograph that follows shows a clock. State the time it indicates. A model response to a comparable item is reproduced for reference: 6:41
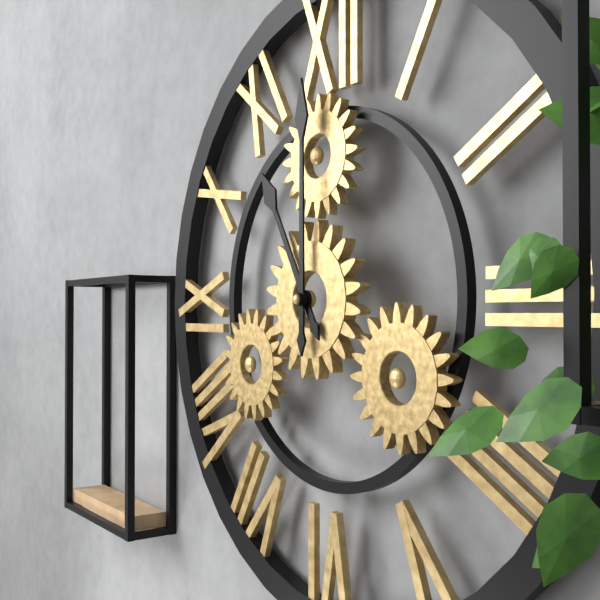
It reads 11:00
